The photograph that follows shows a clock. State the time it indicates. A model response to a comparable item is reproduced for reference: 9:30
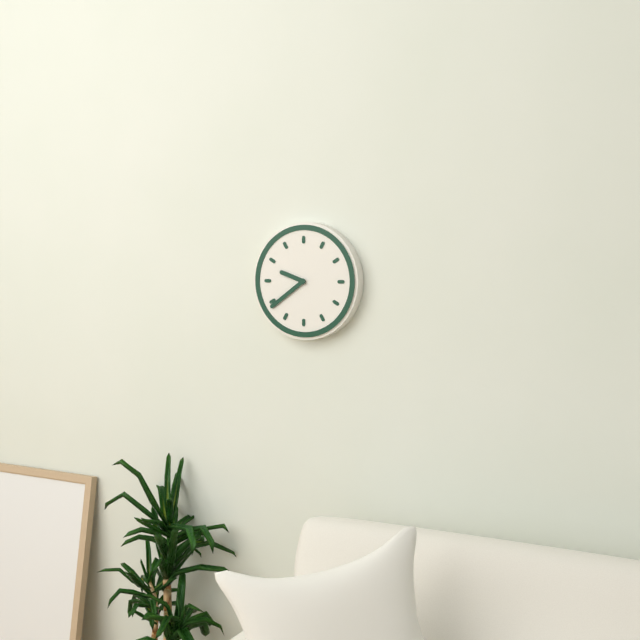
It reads 9:39
